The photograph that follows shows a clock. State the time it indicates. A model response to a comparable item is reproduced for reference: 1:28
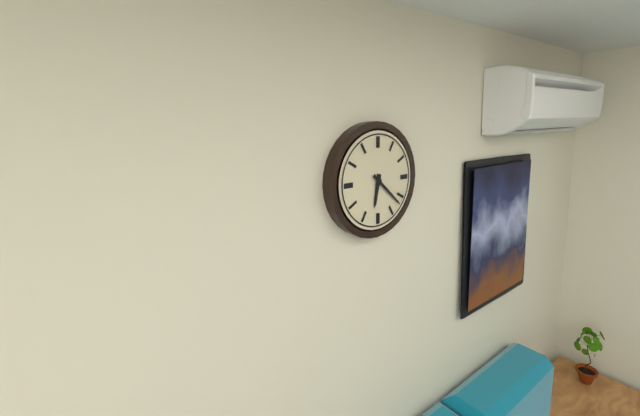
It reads 6:22
